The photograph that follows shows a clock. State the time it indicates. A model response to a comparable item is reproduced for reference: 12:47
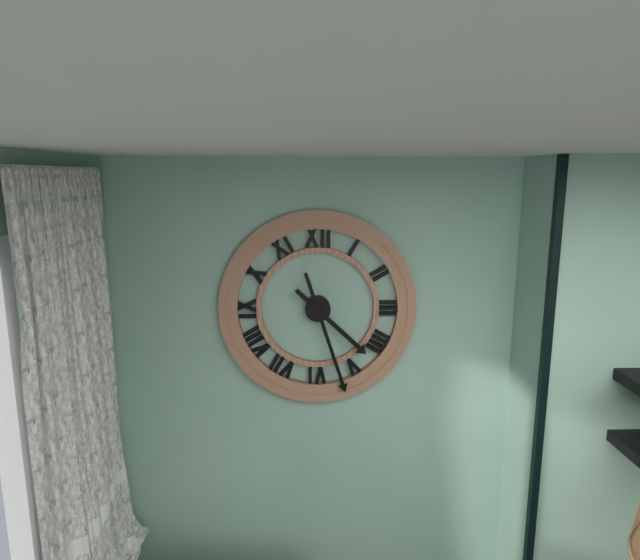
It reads 4:27
